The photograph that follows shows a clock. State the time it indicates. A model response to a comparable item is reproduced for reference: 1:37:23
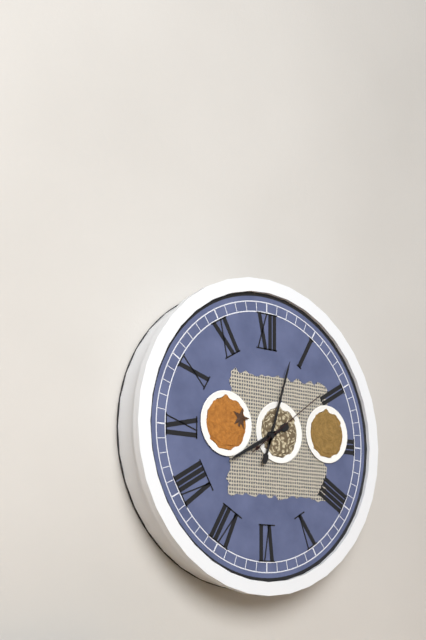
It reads 8:03:09
